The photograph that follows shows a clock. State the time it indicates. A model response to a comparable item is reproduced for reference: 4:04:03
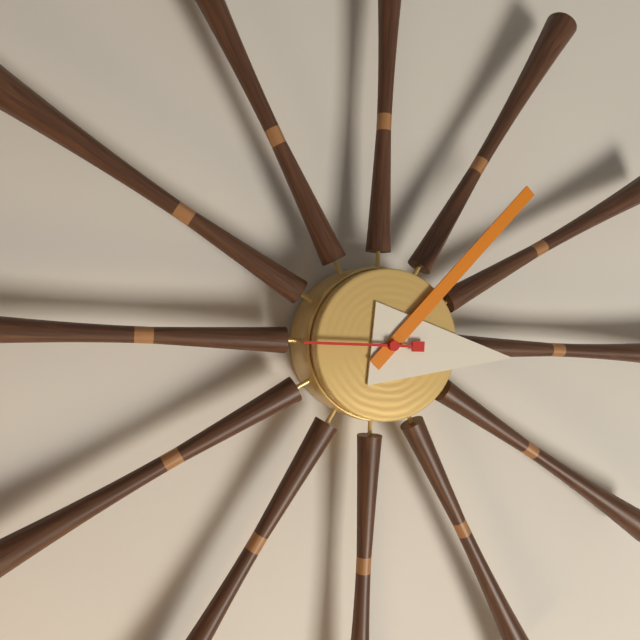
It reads 3:07:45
